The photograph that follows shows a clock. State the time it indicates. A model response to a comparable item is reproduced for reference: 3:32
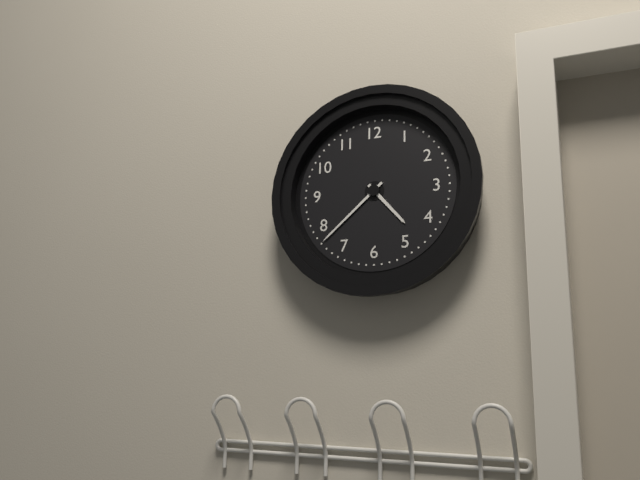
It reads 4:38
